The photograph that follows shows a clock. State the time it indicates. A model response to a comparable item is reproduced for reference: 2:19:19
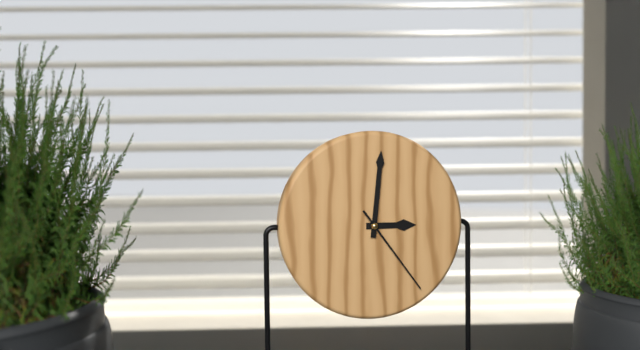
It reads 3:01:24
